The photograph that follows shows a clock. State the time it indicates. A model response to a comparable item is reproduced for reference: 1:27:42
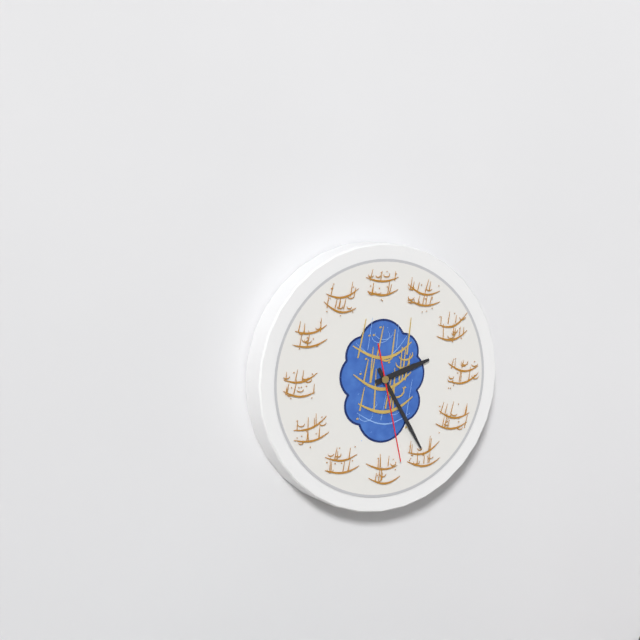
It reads 2:25:28
